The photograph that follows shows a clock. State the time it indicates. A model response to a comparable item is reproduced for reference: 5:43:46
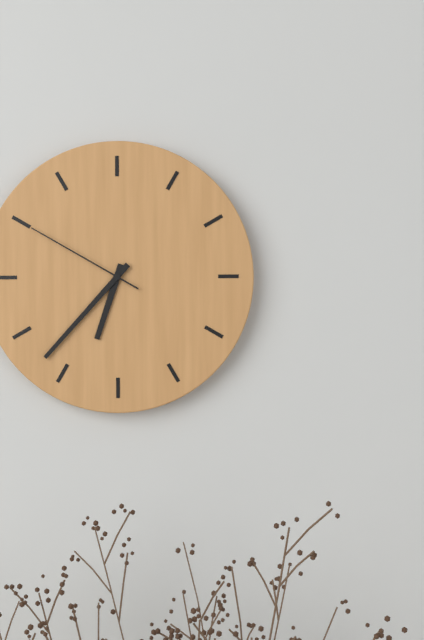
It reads 6:37:50
